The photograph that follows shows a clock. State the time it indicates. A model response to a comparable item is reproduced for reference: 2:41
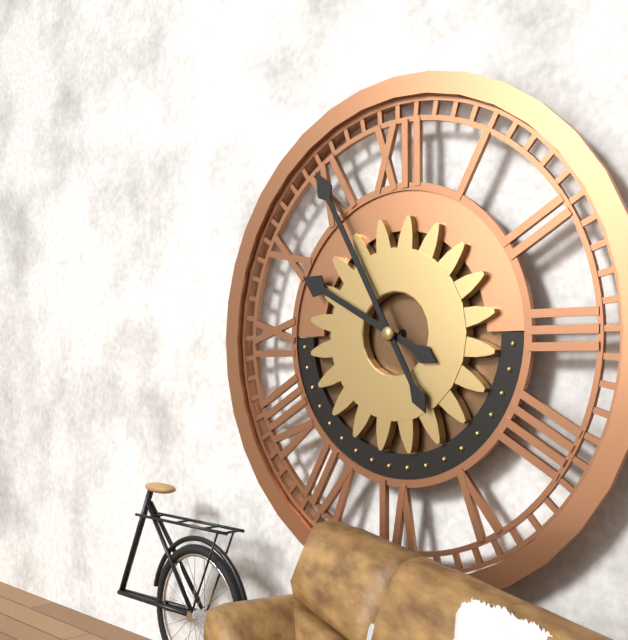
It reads 9:55
